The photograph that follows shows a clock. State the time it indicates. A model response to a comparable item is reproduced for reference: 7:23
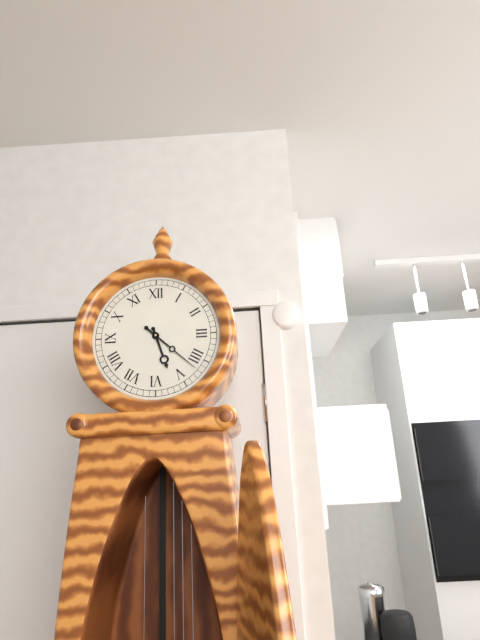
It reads 5:22
